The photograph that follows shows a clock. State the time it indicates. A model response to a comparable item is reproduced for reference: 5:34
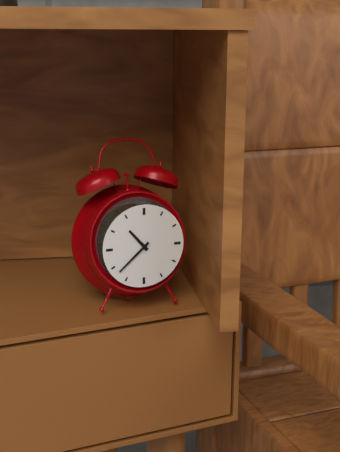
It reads 10:38
